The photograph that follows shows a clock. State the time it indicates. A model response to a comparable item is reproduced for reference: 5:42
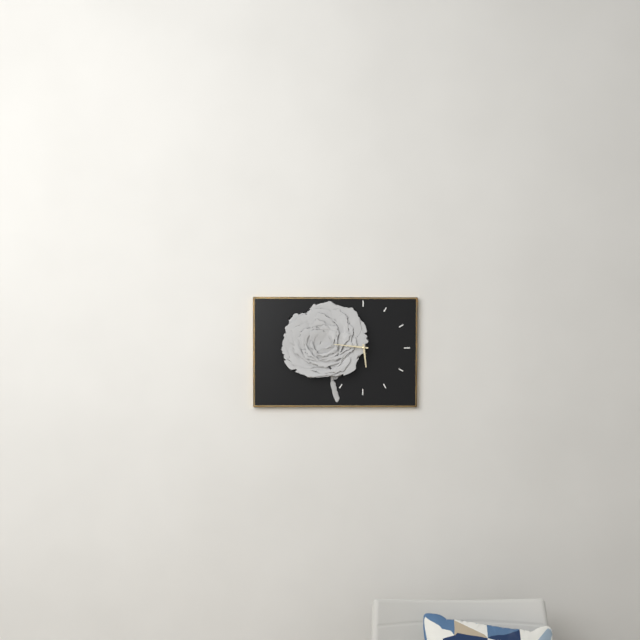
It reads 5:46
